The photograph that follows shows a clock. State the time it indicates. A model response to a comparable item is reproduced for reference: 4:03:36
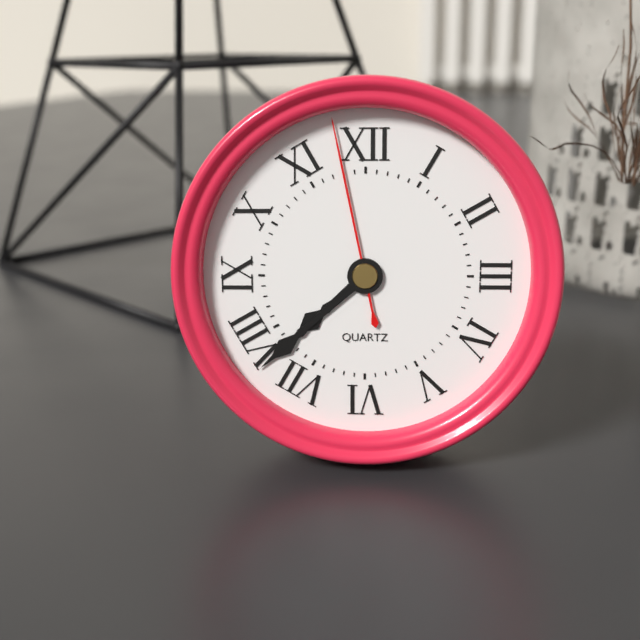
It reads 7:38:58
